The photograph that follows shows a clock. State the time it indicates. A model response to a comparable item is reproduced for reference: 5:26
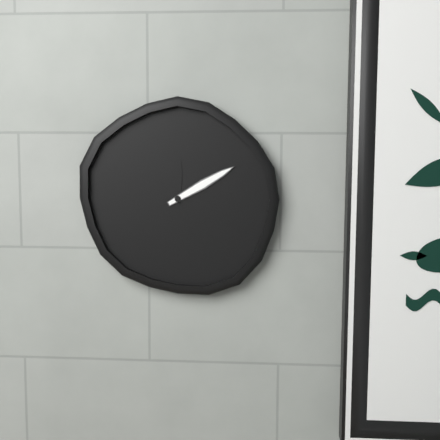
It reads 12:10
